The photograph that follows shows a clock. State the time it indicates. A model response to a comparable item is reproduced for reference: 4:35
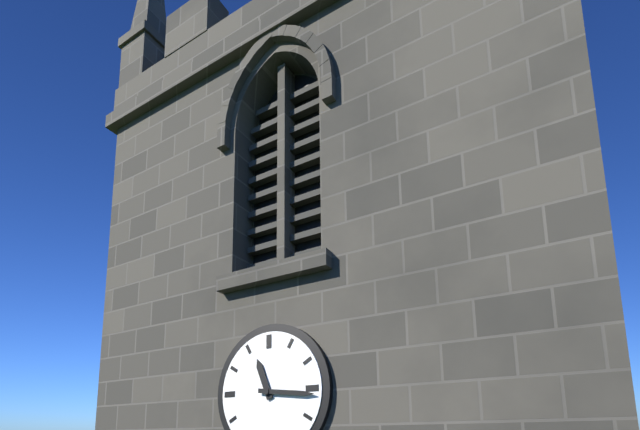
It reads 11:16
